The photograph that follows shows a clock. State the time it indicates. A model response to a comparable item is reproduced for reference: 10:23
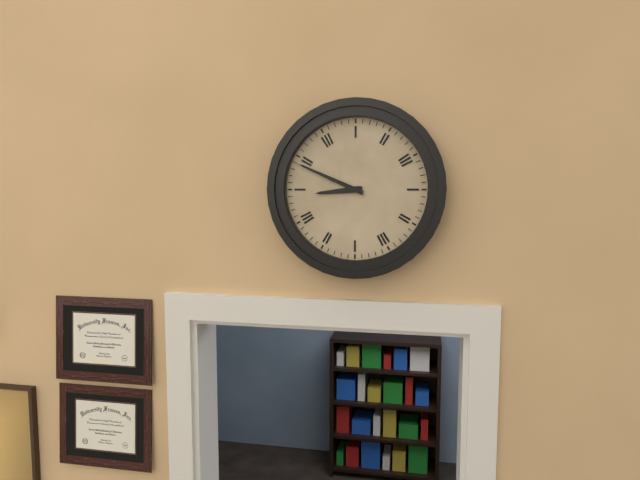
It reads 8:49
